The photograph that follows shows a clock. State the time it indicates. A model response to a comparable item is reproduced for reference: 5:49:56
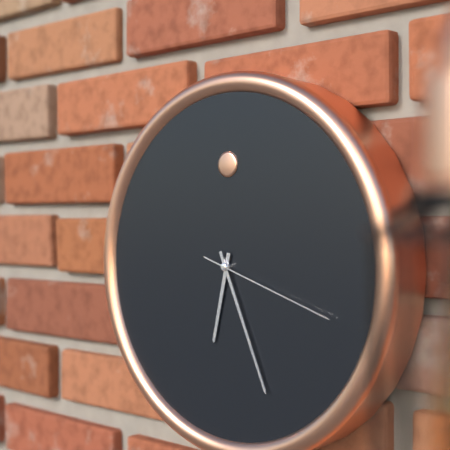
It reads 6:26:18
